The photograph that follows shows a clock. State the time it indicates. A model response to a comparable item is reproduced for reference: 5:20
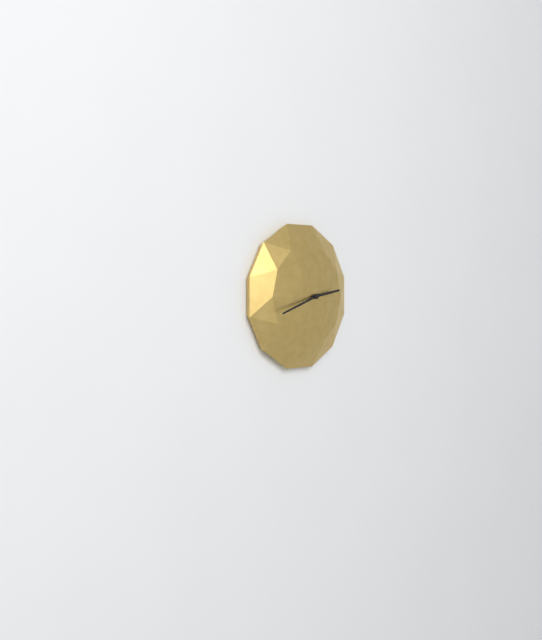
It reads 2:42
